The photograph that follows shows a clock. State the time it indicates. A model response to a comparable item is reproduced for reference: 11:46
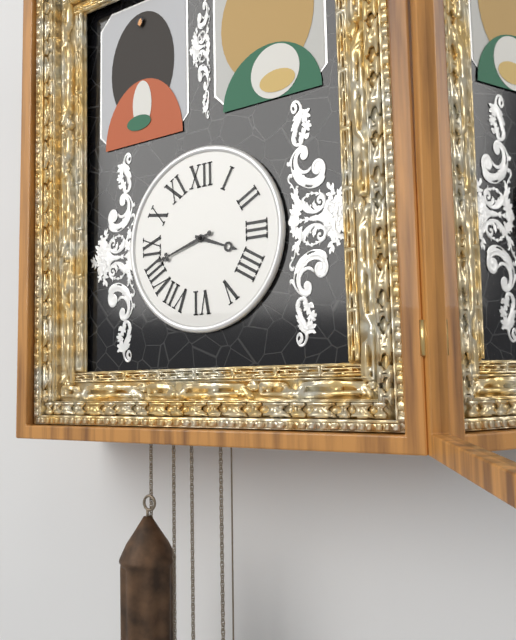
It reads 3:42
